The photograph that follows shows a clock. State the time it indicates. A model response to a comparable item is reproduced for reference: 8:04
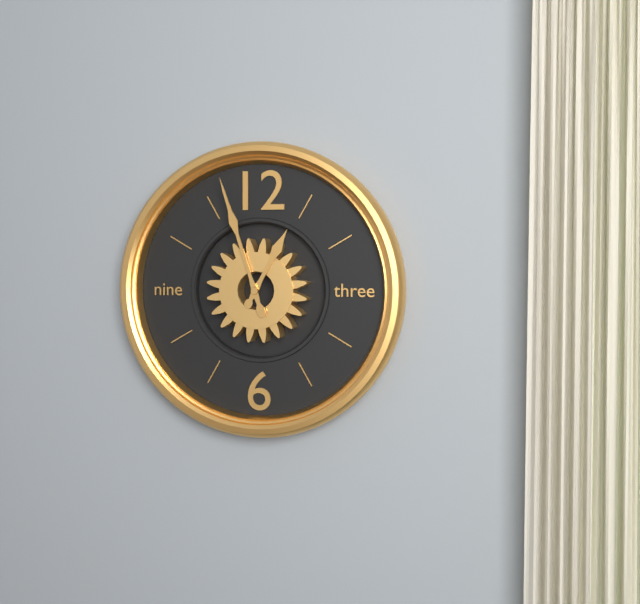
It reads 12:57
